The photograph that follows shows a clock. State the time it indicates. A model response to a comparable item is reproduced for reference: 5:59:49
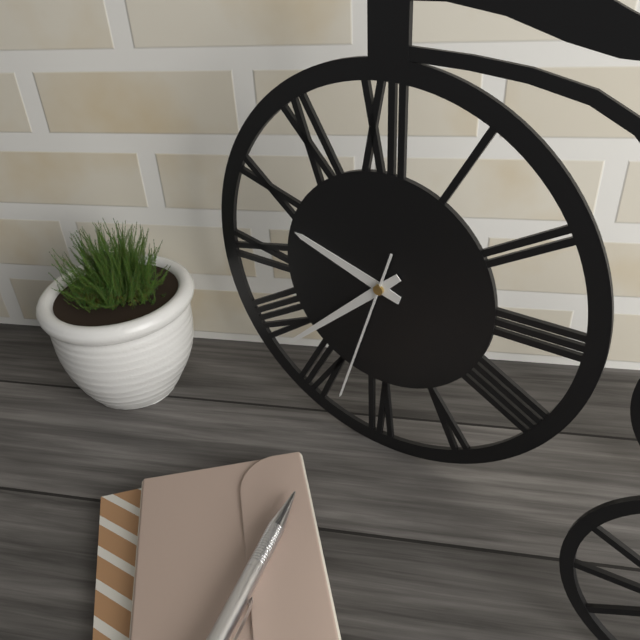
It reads 9:38:33
